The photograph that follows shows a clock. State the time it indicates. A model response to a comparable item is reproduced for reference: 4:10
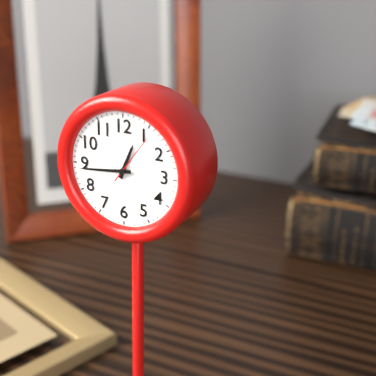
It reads 12:44
